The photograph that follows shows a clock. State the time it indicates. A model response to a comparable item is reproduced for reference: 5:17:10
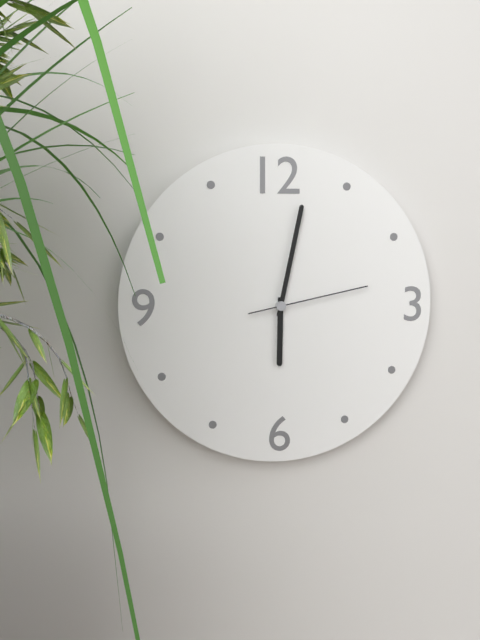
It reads 6:02:13
